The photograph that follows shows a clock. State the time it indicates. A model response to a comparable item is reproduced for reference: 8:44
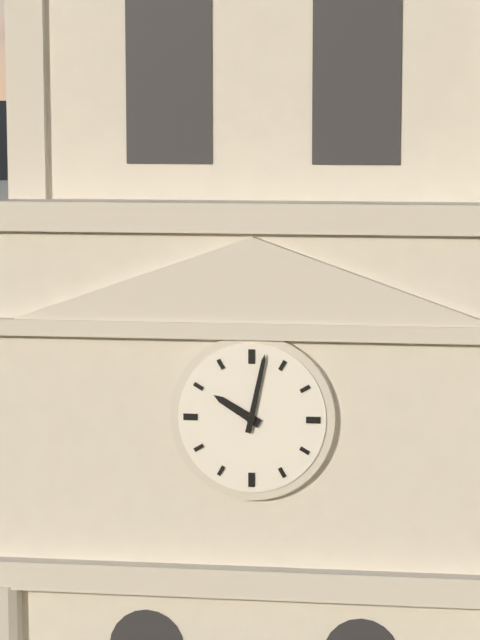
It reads 10:02
